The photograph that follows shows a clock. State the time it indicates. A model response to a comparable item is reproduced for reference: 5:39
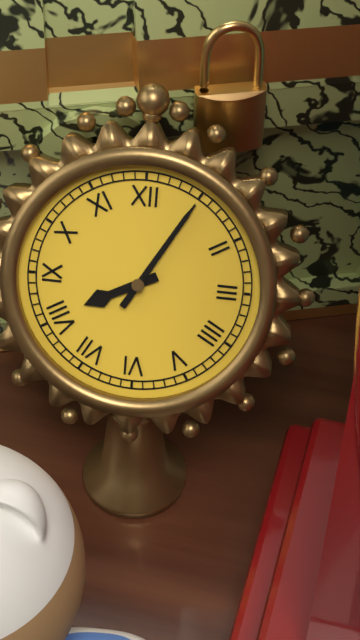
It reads 8:05
